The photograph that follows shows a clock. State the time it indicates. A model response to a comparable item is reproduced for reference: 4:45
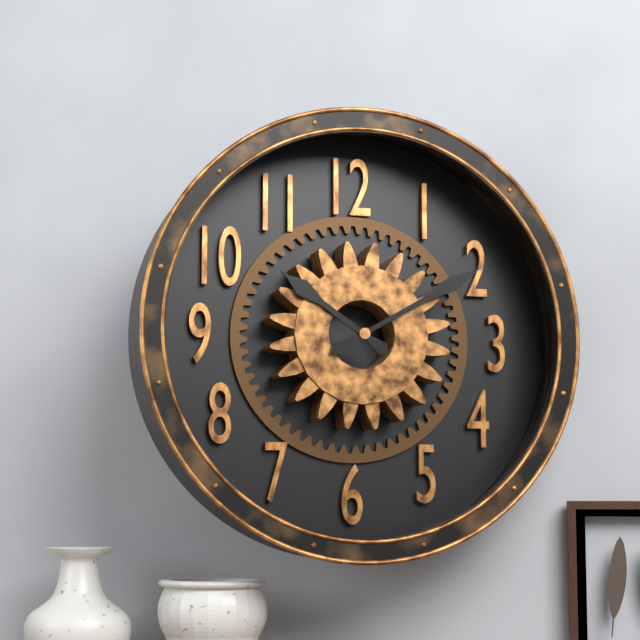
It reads 10:10
